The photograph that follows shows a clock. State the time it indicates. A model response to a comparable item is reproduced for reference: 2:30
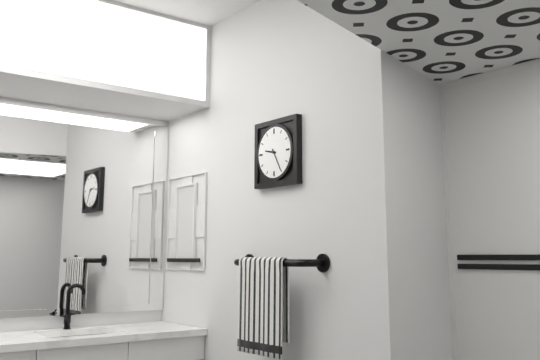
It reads 9:25
